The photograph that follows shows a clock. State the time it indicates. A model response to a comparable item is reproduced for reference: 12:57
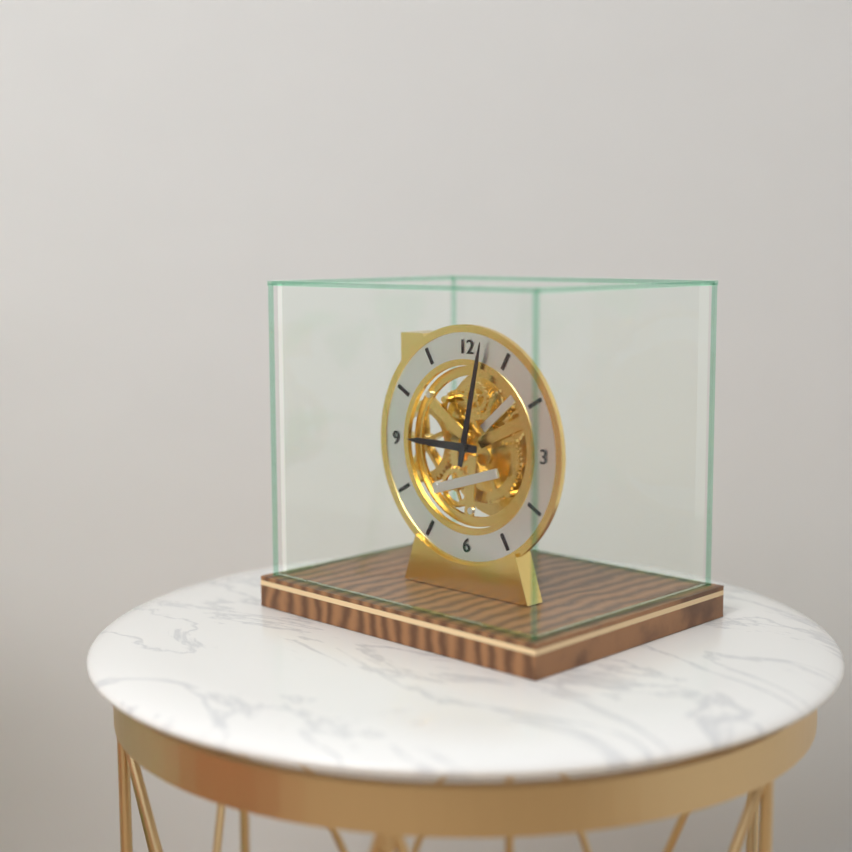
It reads 9:02
